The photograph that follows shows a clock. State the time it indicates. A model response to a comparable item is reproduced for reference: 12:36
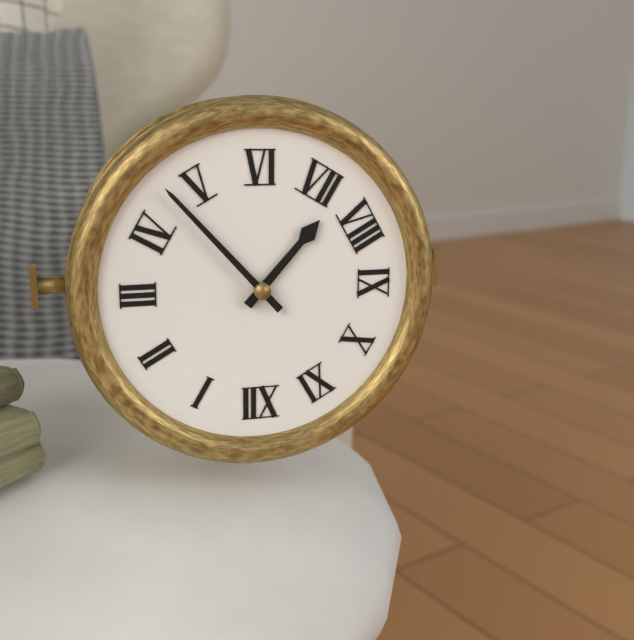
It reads 7:23
